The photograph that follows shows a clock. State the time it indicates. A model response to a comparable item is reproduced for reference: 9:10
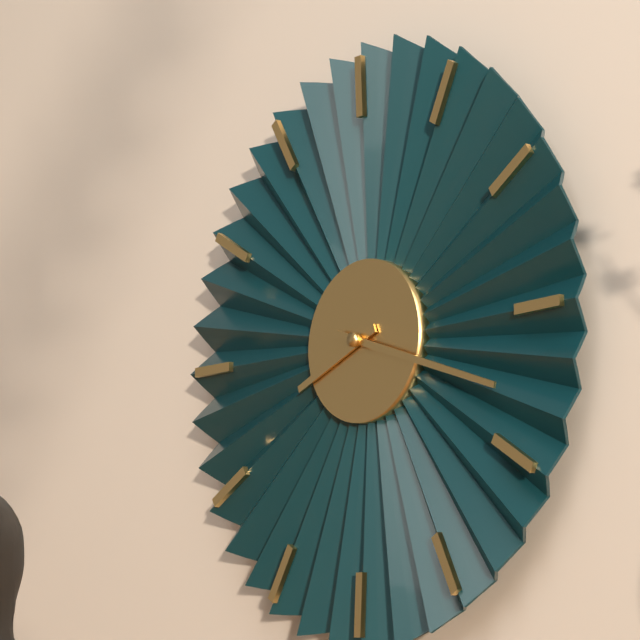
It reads 8:18
